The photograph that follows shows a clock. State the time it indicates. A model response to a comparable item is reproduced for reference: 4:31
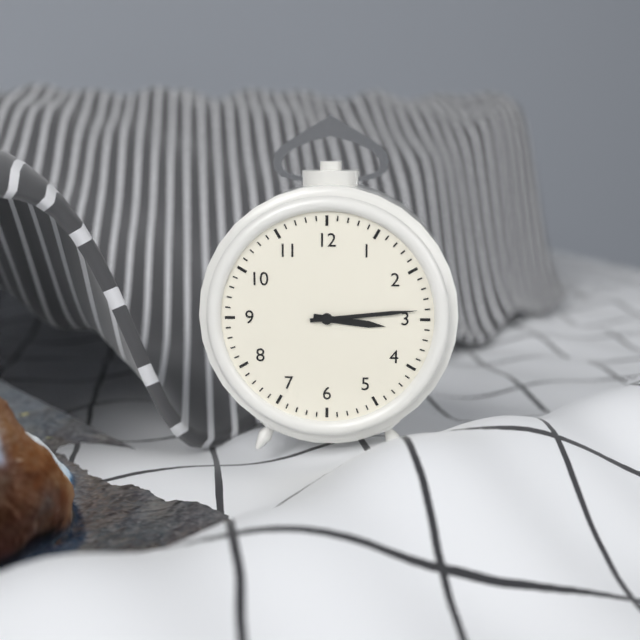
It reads 3:14
